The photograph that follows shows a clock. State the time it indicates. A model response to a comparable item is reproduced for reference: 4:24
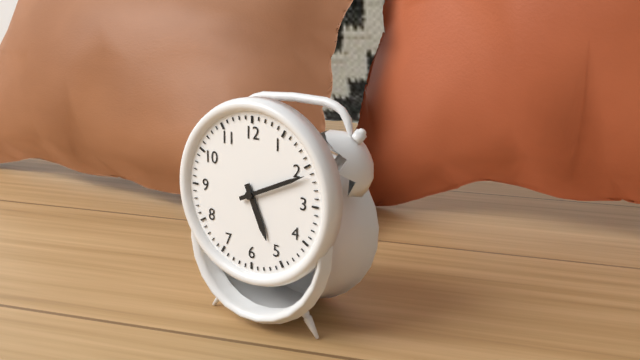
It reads 5:11
